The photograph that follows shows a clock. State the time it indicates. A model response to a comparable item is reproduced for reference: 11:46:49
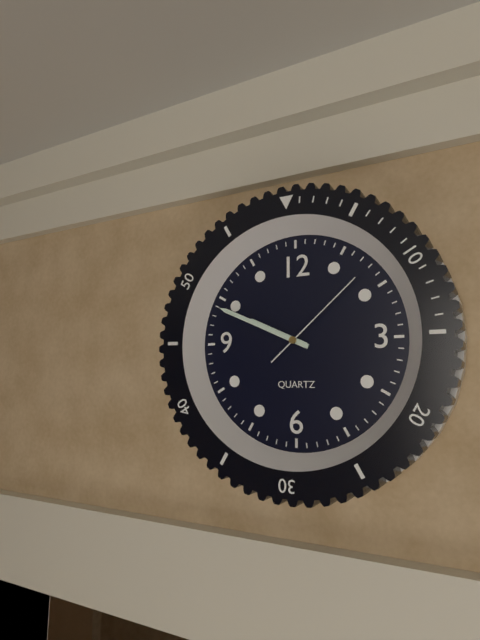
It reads 9:49:08
